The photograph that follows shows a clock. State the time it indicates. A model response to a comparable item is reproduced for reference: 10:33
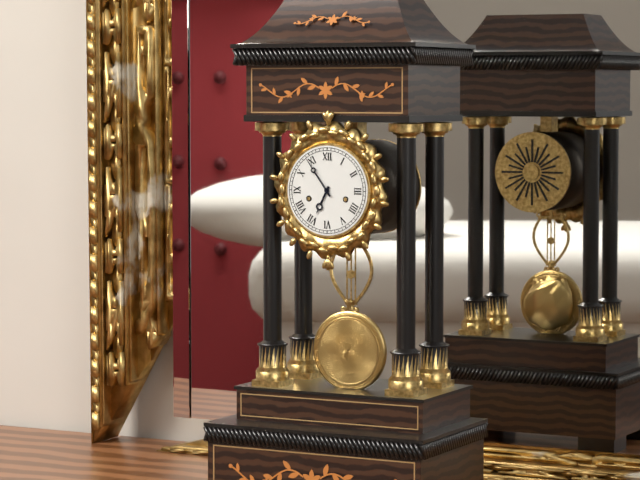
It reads 6:54
